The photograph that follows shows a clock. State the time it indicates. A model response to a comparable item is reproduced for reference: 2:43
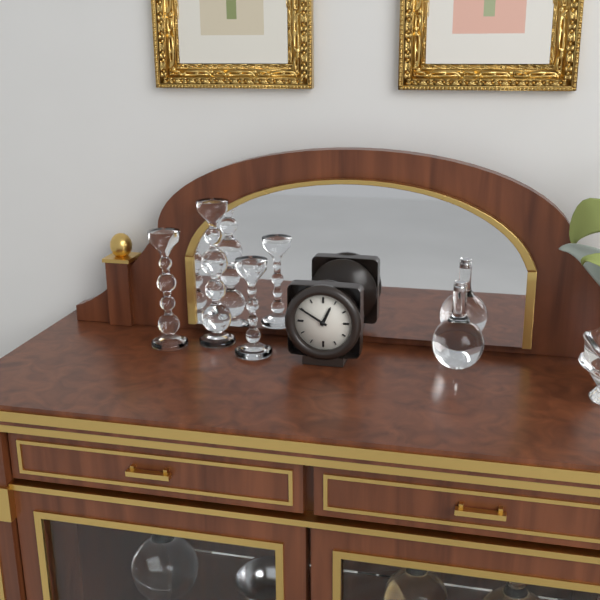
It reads 12:50
